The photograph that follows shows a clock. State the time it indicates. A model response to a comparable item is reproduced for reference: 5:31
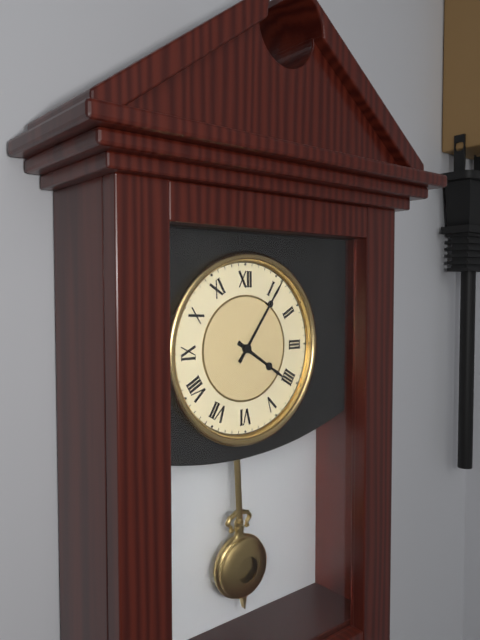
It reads 4:06
